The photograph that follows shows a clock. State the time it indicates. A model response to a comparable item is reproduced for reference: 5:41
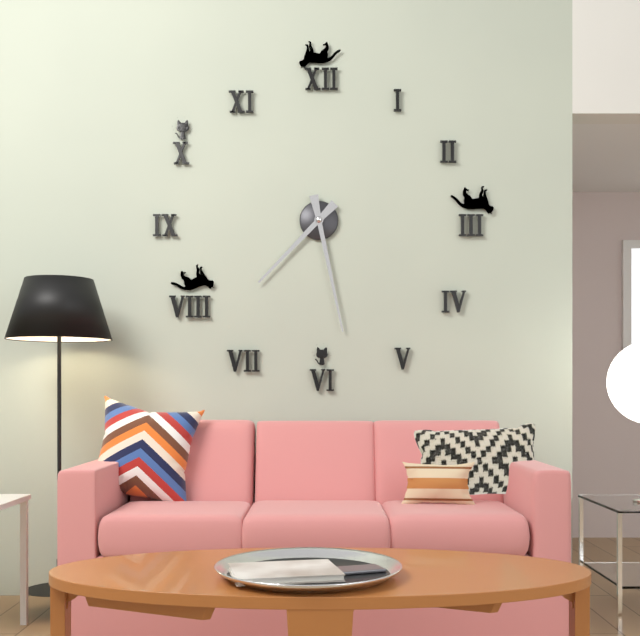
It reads 7:28
